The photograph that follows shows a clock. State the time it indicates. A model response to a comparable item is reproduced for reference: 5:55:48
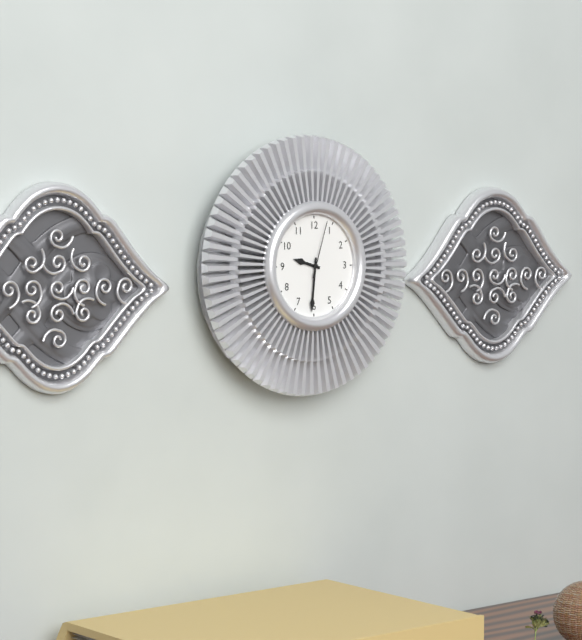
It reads 9:31:03
